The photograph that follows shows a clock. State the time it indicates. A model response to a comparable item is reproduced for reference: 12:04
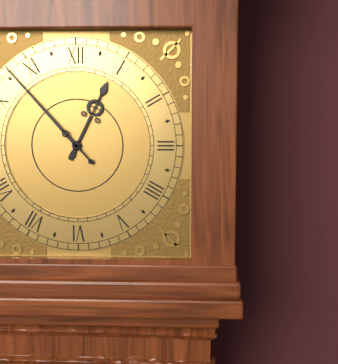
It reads 12:53
